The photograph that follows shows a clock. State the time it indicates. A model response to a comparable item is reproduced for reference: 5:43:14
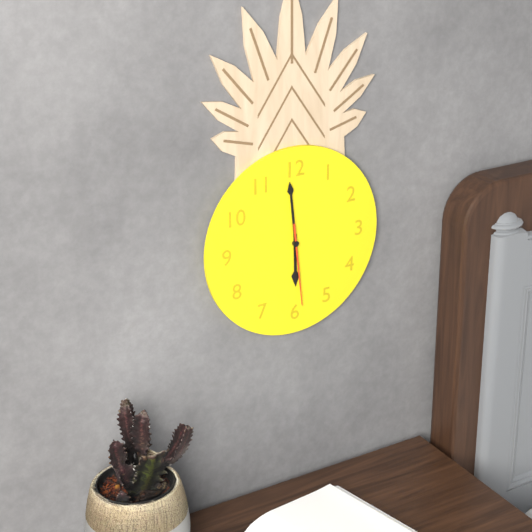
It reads 5:59:29
